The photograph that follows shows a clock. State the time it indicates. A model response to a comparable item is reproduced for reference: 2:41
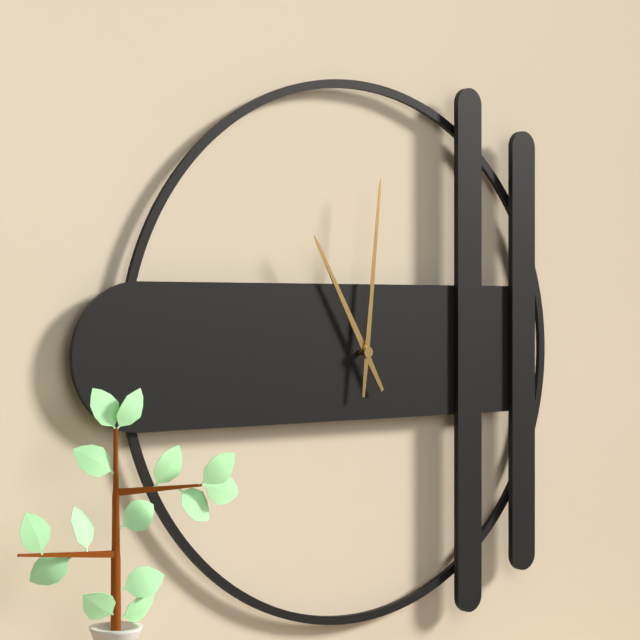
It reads 11:01
